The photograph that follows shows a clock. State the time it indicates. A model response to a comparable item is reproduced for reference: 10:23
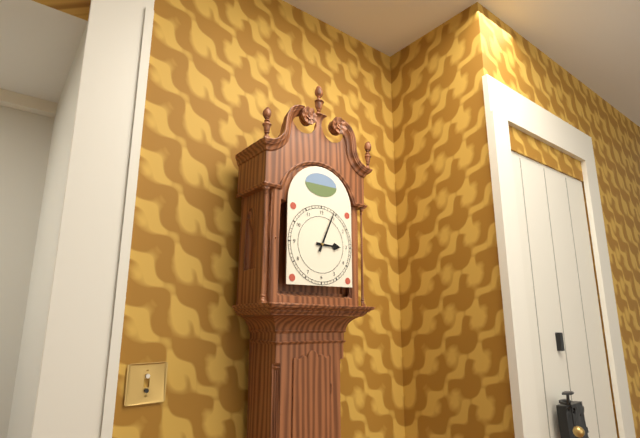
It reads 3:04
